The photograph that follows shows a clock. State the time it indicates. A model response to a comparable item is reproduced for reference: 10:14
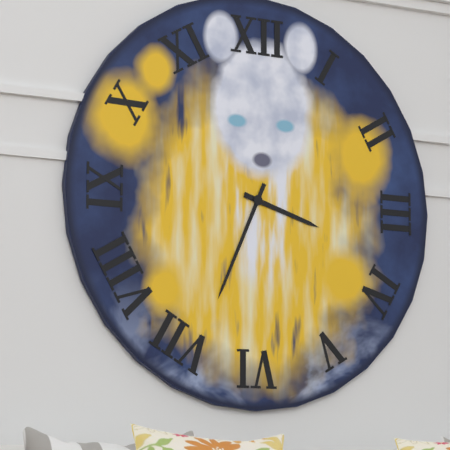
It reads 3:34
